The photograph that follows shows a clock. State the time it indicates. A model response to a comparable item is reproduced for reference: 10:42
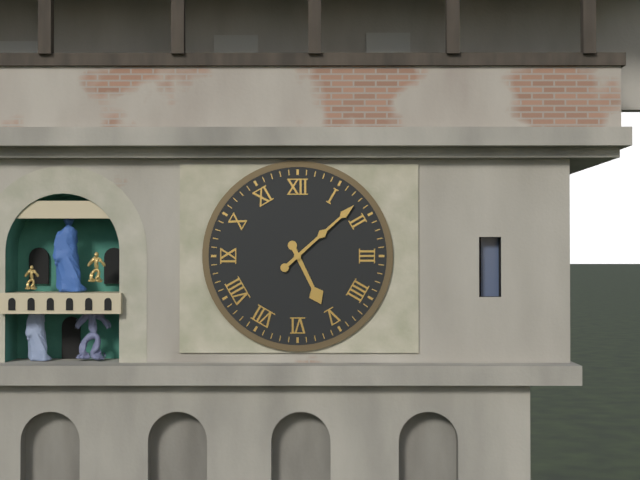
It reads 5:08
